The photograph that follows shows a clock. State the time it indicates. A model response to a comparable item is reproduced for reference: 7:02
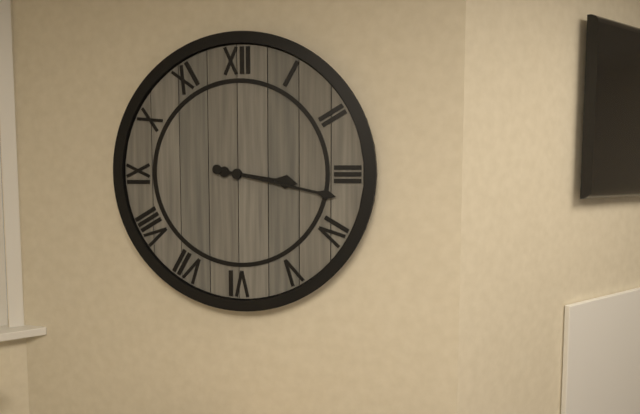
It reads 3:17
